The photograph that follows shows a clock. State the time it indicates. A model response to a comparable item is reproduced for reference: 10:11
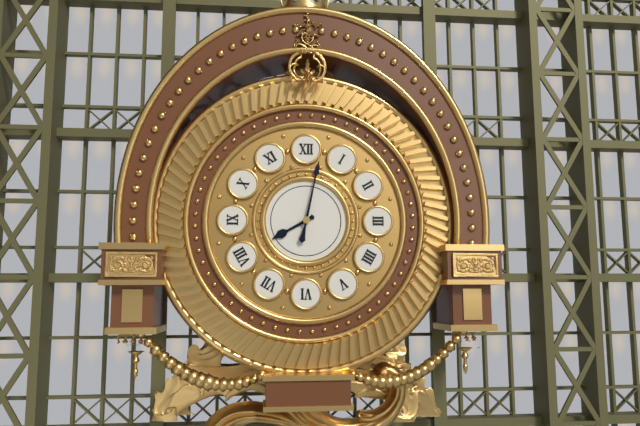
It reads 8:02
